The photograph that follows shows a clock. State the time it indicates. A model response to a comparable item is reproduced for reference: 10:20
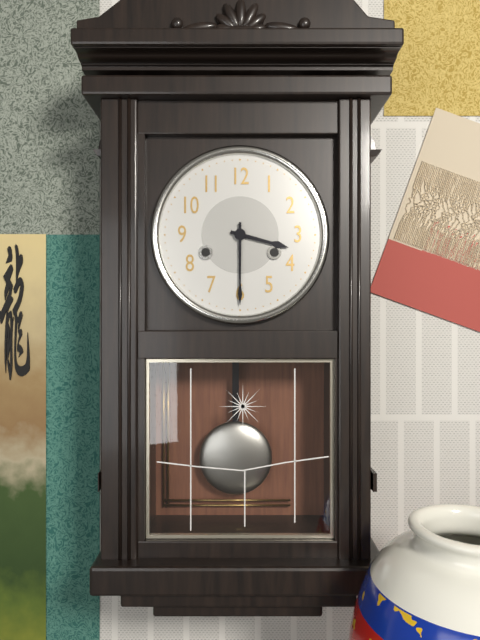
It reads 3:30
